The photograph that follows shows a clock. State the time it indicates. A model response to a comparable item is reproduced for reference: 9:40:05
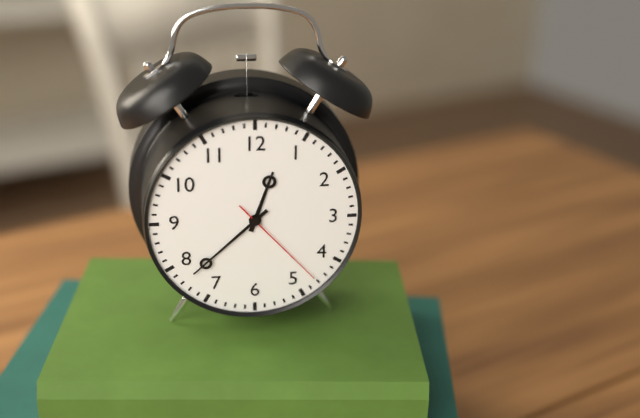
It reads 12:38:23
